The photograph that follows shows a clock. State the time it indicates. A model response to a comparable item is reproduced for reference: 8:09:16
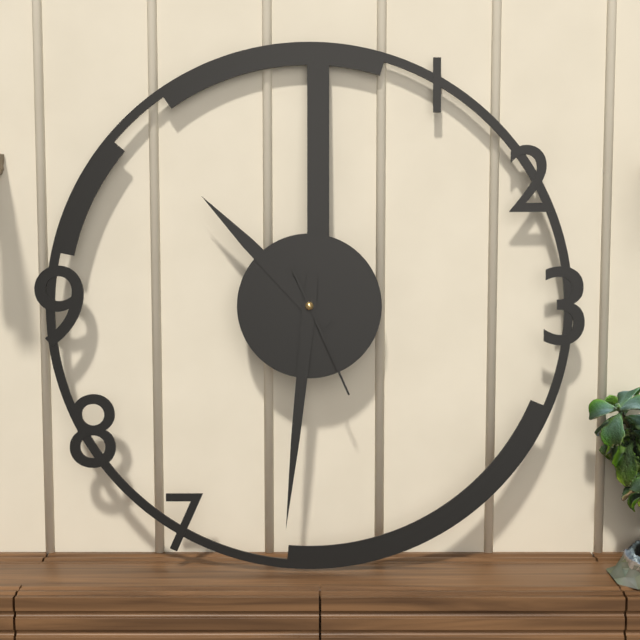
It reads 10:31:26
